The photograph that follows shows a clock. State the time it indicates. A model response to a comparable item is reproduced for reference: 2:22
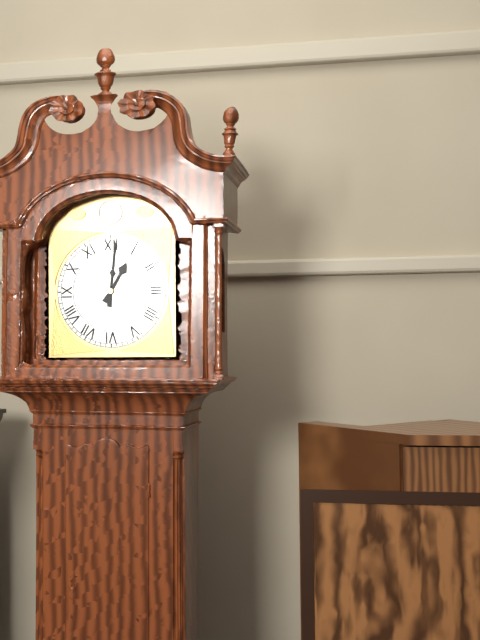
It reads 1:01
